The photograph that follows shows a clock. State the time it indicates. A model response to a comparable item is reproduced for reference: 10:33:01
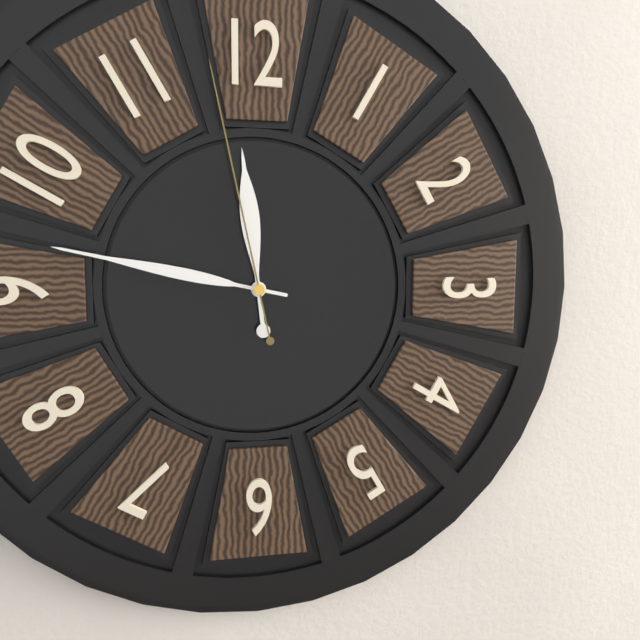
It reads 11:47:58
